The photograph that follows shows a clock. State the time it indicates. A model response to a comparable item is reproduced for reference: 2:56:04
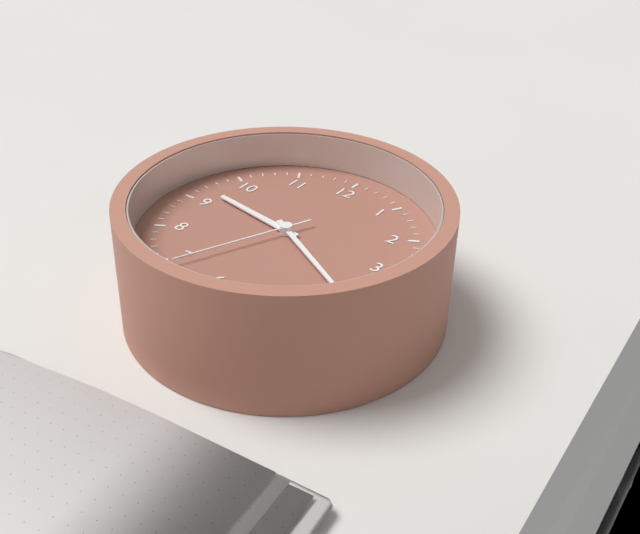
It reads 9:20:34
